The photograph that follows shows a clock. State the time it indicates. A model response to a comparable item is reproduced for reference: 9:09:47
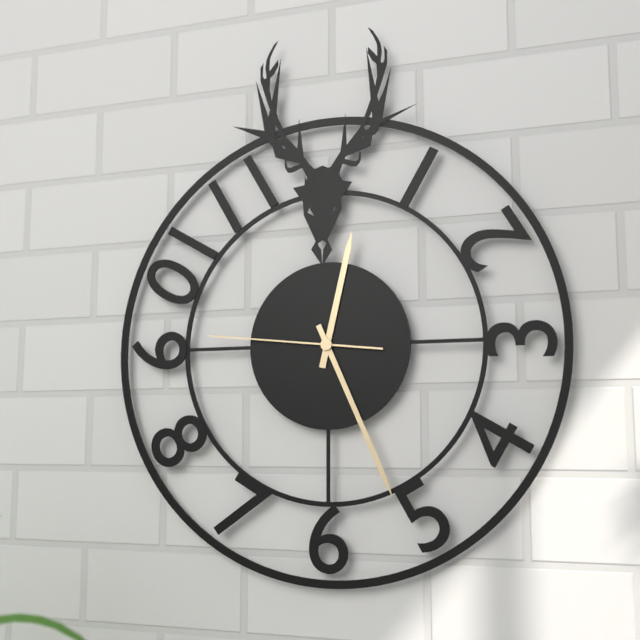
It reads 12:26:46
